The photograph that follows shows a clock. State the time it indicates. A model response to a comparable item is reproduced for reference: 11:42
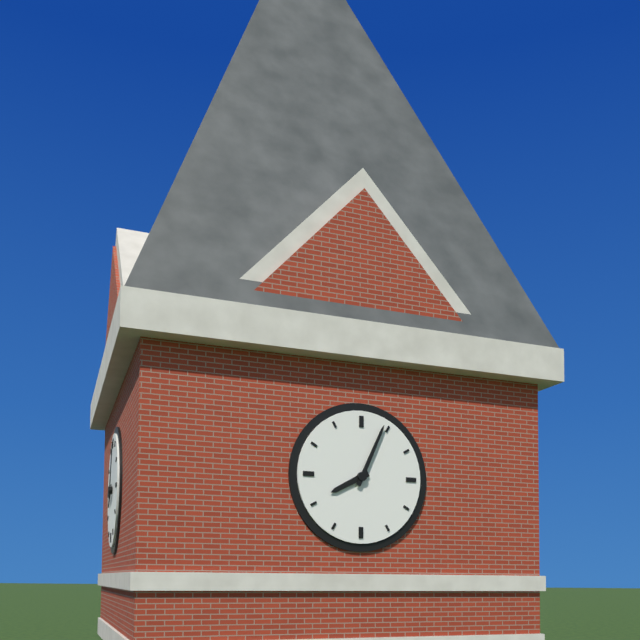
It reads 8:04
